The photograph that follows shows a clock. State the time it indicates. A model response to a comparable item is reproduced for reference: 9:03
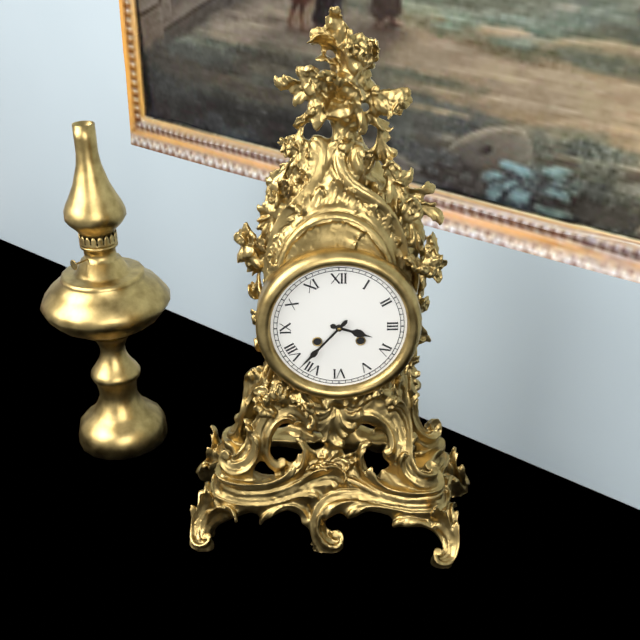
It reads 3:37
